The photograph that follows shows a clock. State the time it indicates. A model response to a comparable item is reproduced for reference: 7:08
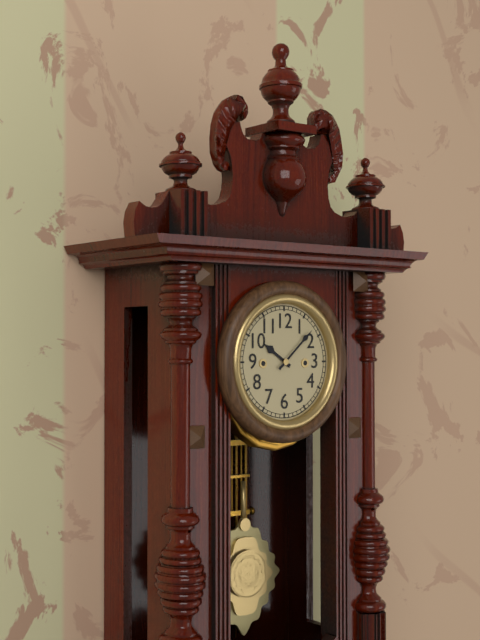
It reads 10:08
